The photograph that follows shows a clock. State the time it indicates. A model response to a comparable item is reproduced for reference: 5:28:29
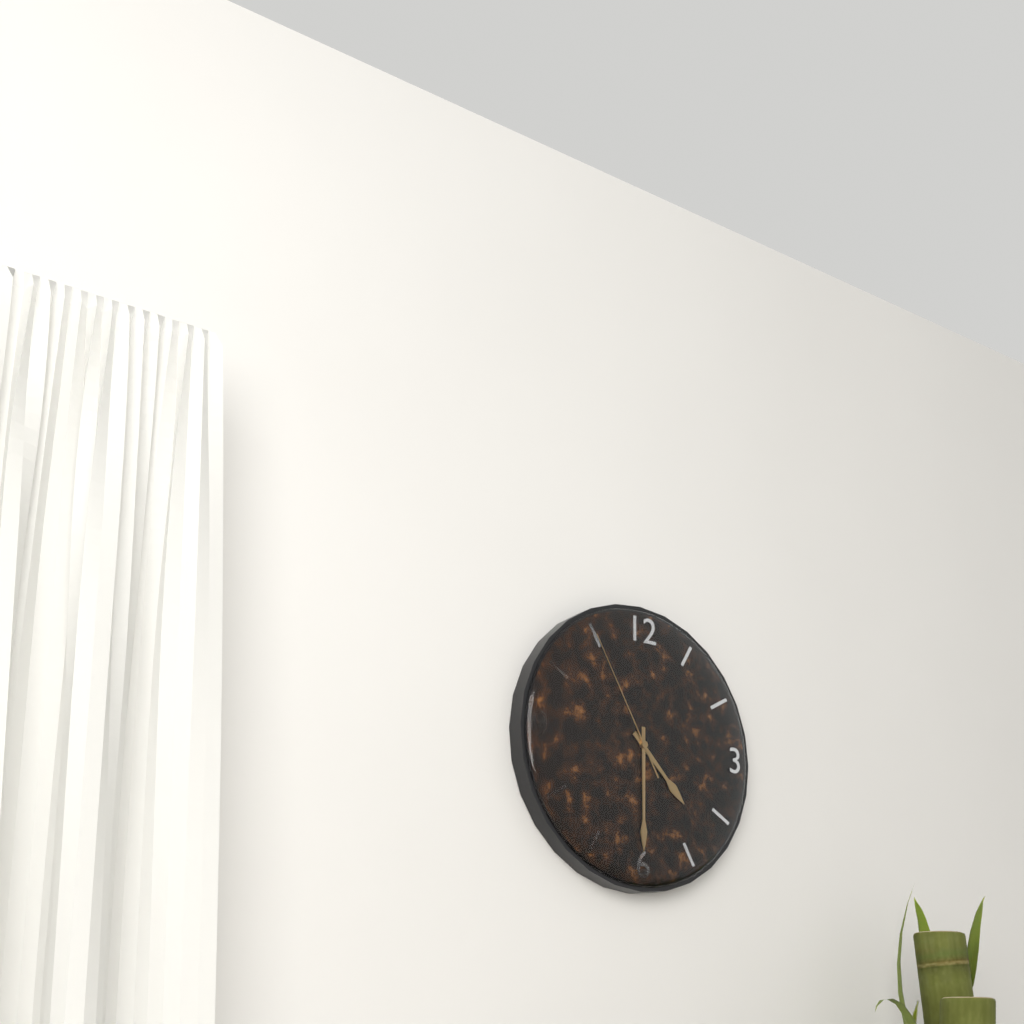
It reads 4:30:55
